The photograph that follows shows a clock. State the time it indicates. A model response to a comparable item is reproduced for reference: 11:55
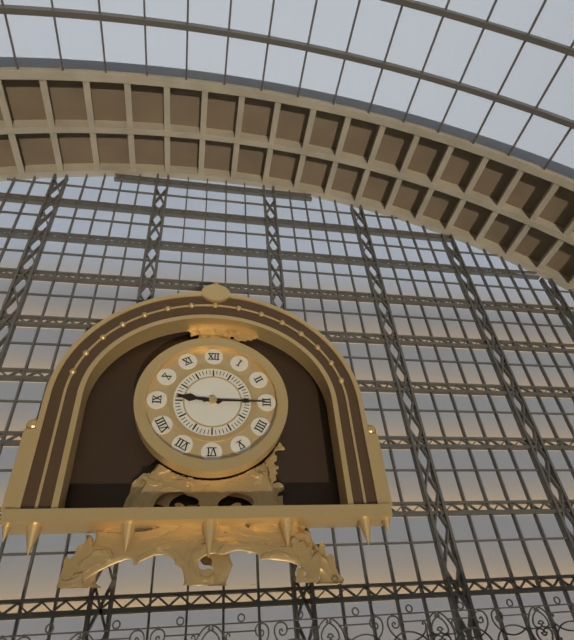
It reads 9:15
